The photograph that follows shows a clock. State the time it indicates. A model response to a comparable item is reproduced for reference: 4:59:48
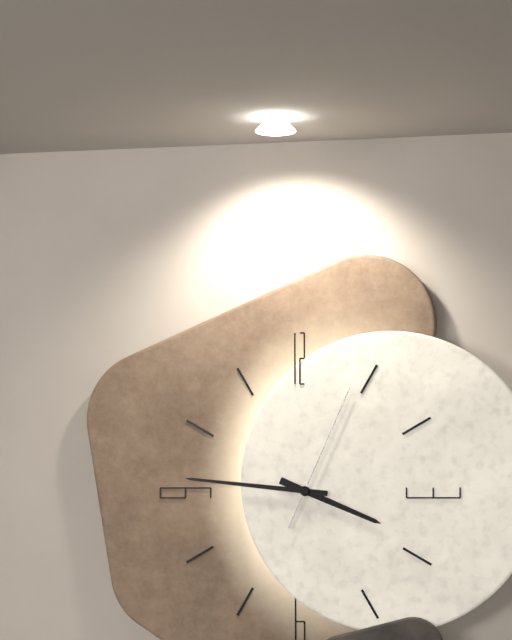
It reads 3:46:04
